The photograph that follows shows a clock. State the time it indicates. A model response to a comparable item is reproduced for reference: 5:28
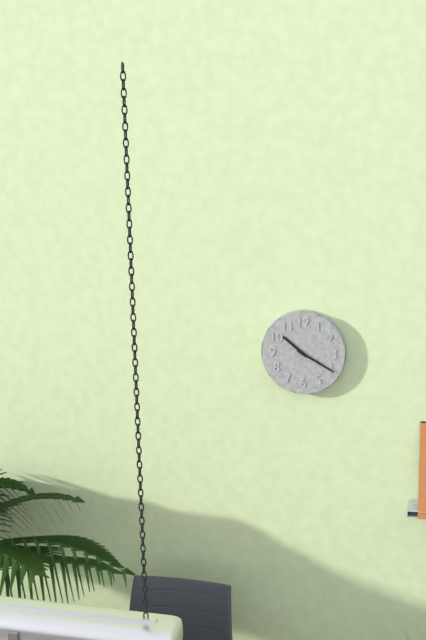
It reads 10:20
